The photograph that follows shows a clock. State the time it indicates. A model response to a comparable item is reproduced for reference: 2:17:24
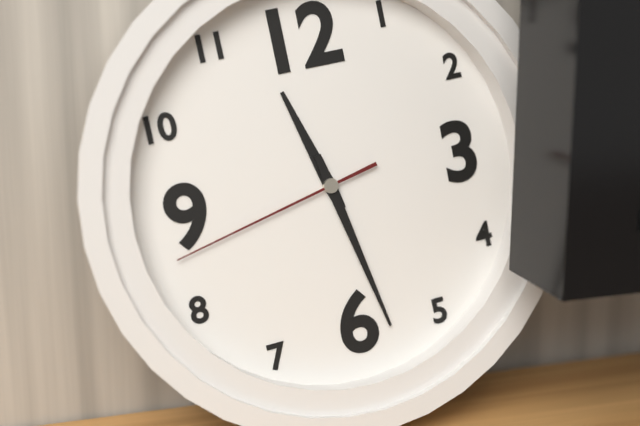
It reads 11:28:43
